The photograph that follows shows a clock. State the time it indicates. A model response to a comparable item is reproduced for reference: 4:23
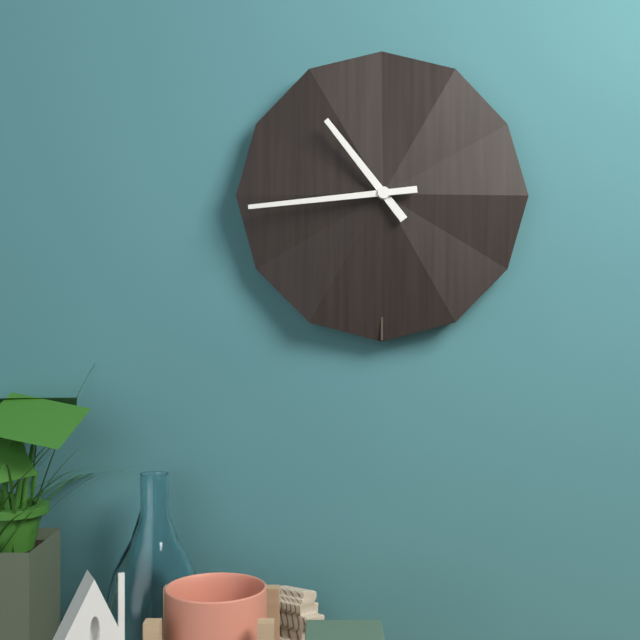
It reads 10:44
